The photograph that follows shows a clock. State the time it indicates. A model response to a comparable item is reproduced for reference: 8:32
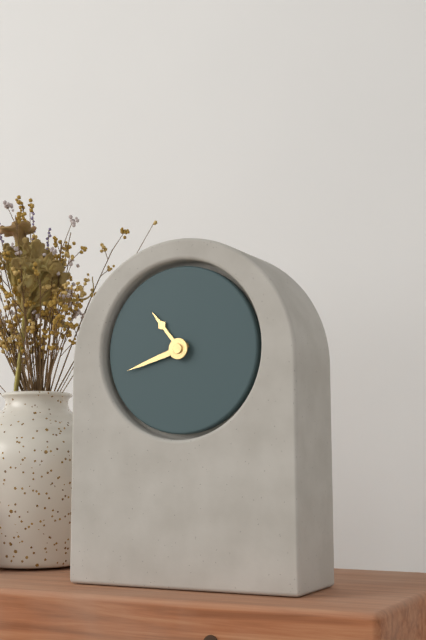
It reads 10:42
